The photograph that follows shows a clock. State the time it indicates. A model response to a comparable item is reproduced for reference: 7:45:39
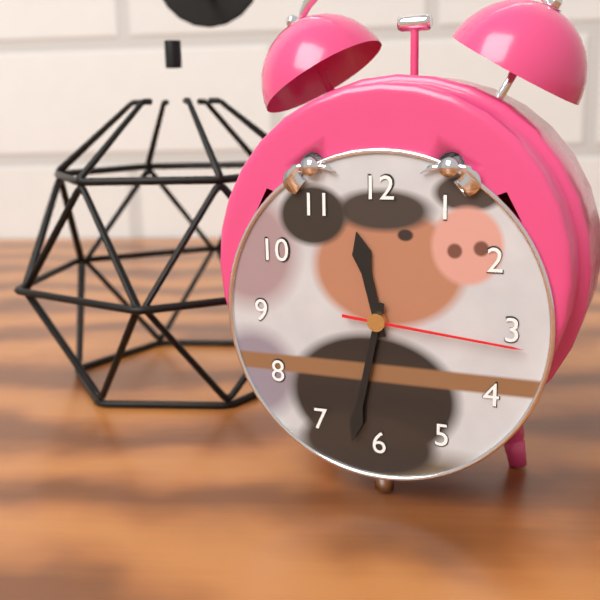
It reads 11:32:16
